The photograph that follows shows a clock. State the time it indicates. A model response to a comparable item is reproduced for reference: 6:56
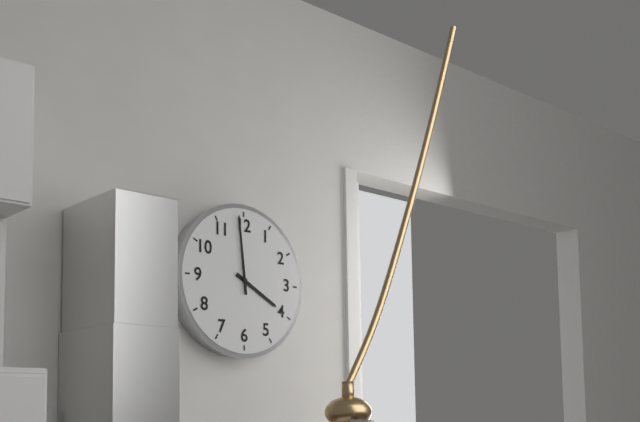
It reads 3:59
